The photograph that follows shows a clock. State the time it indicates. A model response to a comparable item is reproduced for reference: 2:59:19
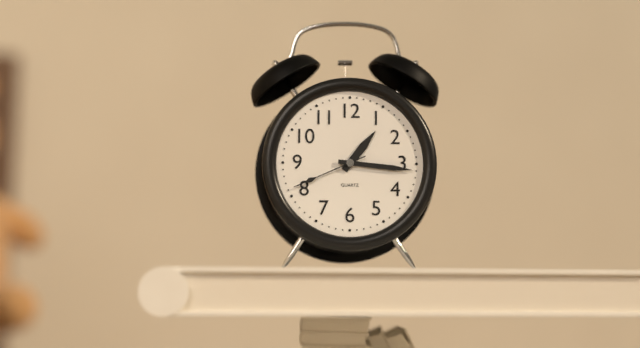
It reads 1:16:41
